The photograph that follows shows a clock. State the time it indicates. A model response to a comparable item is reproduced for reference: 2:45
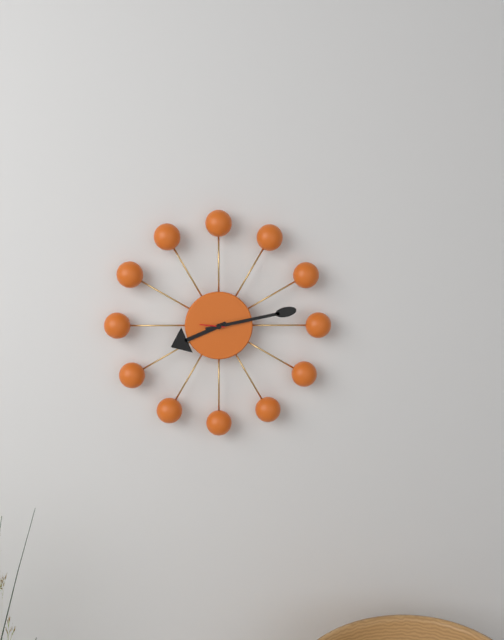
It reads 8:13
